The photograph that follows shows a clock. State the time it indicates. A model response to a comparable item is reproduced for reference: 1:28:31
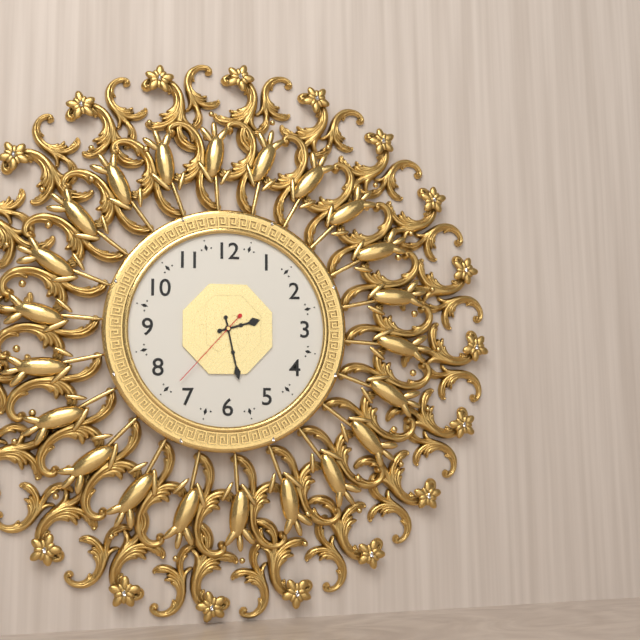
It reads 2:28:37
